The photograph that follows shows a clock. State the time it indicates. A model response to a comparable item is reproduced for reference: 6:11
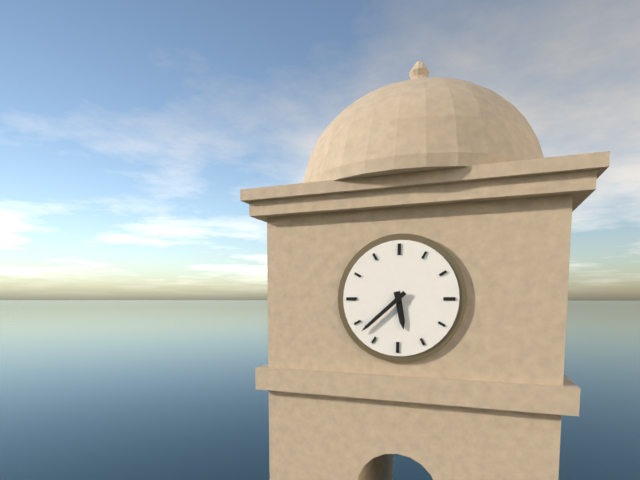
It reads 5:38
